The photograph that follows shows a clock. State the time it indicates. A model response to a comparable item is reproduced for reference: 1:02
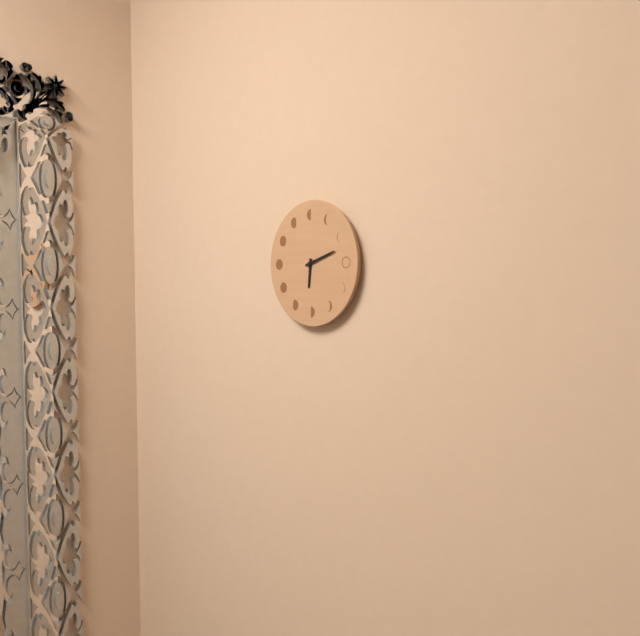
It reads 6:12
